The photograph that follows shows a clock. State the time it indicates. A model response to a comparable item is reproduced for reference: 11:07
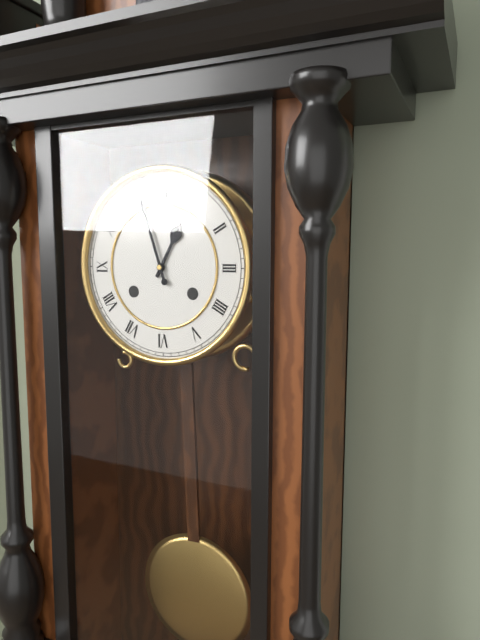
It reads 12:57
